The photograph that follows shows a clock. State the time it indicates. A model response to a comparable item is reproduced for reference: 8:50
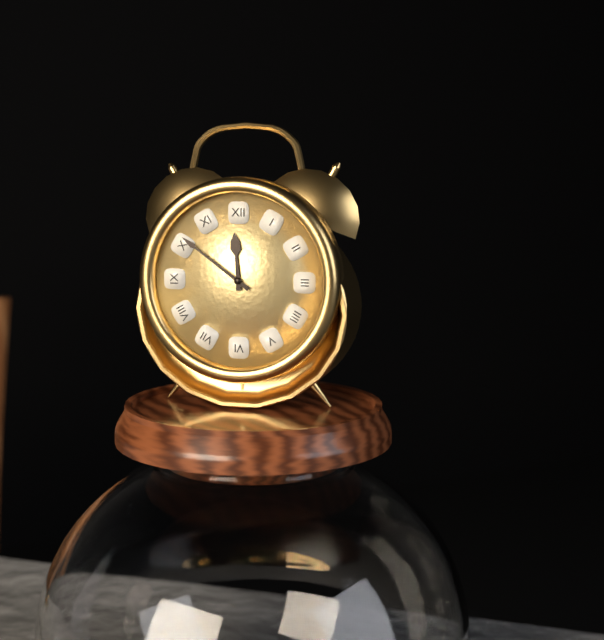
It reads 11:51
